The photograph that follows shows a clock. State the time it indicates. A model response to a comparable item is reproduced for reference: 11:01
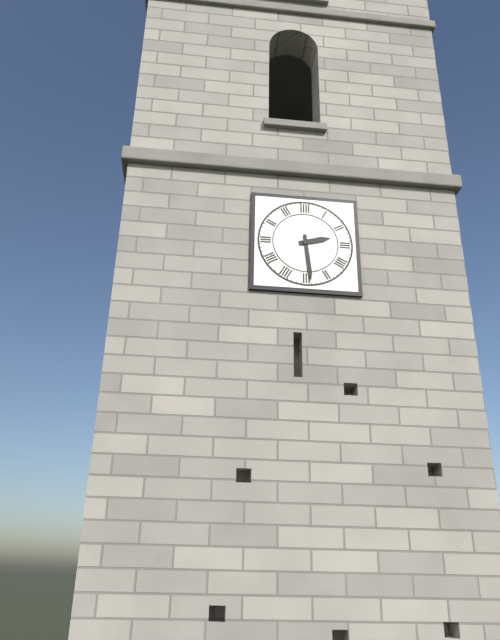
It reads 2:29
